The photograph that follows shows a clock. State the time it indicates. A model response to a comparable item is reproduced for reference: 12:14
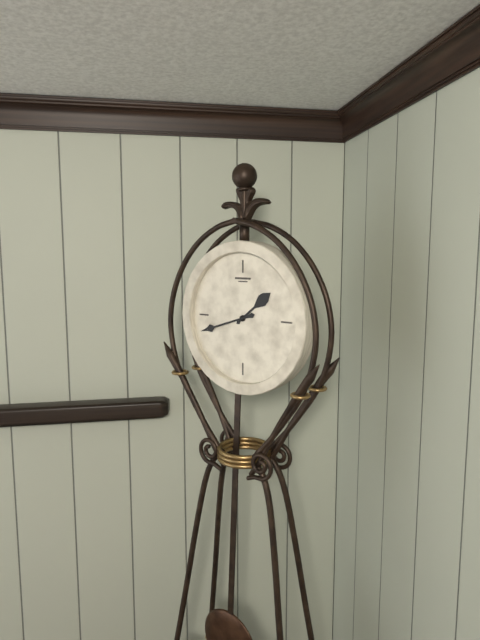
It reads 1:42
